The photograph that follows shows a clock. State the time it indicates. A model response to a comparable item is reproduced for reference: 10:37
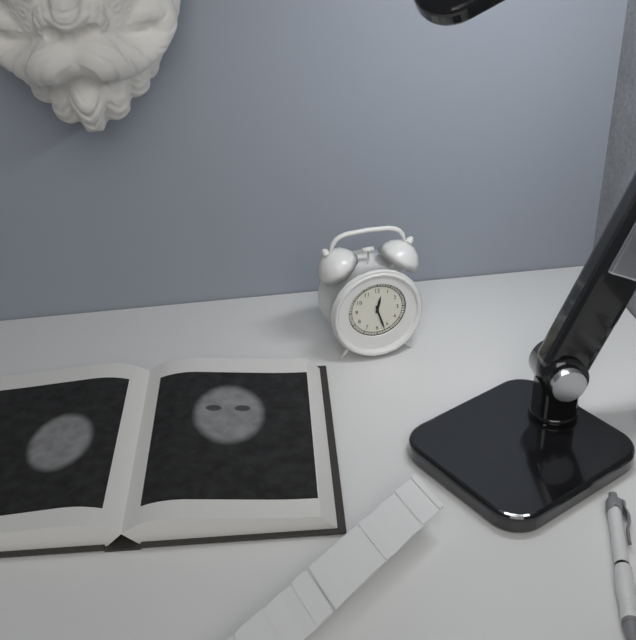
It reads 12:27
